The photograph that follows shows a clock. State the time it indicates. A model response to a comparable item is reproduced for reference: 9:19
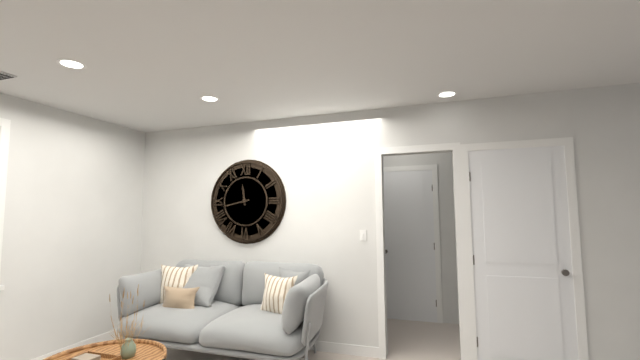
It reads 11:43
